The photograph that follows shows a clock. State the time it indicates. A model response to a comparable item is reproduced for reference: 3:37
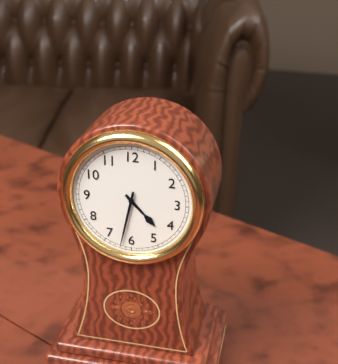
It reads 4:32
